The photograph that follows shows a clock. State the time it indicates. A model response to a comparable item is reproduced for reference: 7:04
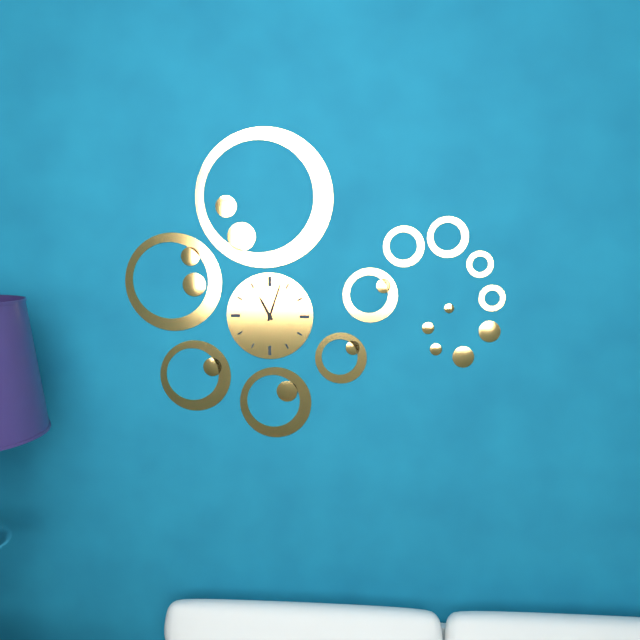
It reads 11:03
